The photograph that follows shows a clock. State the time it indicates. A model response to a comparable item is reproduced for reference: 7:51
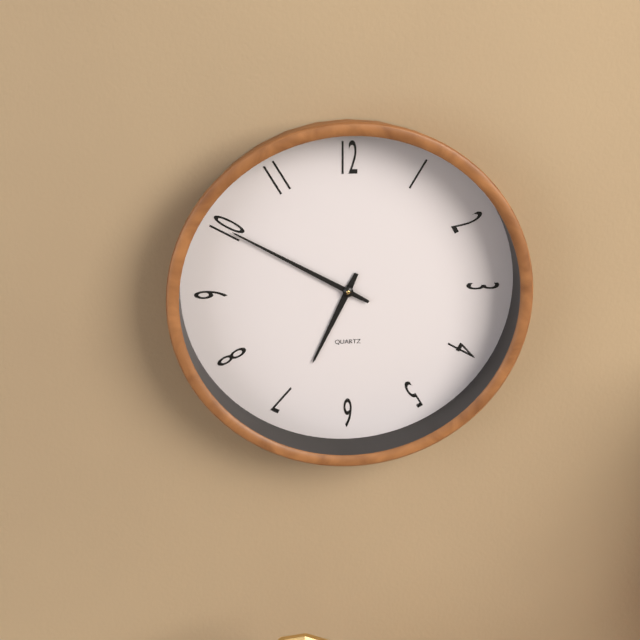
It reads 6:50
